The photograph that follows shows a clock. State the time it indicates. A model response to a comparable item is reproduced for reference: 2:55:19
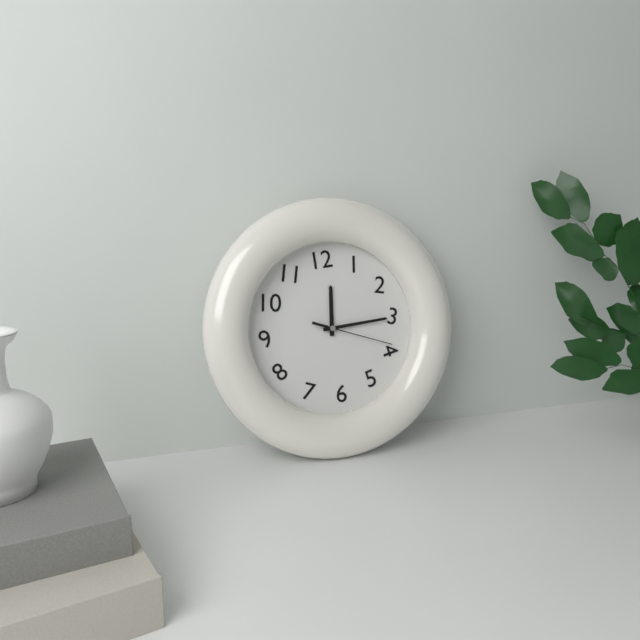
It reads 12:15:19
